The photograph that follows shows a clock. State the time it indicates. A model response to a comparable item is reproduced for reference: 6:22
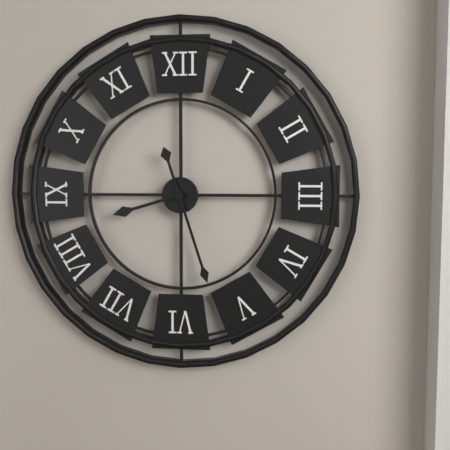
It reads 8:27
